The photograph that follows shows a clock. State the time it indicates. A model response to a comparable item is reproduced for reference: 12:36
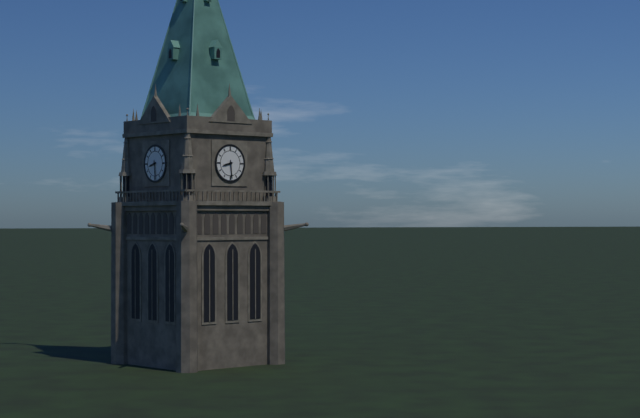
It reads 8:29
